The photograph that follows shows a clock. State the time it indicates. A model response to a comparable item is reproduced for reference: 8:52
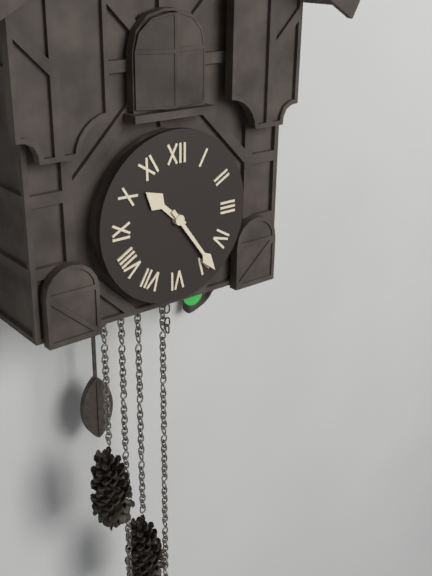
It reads 10:24
